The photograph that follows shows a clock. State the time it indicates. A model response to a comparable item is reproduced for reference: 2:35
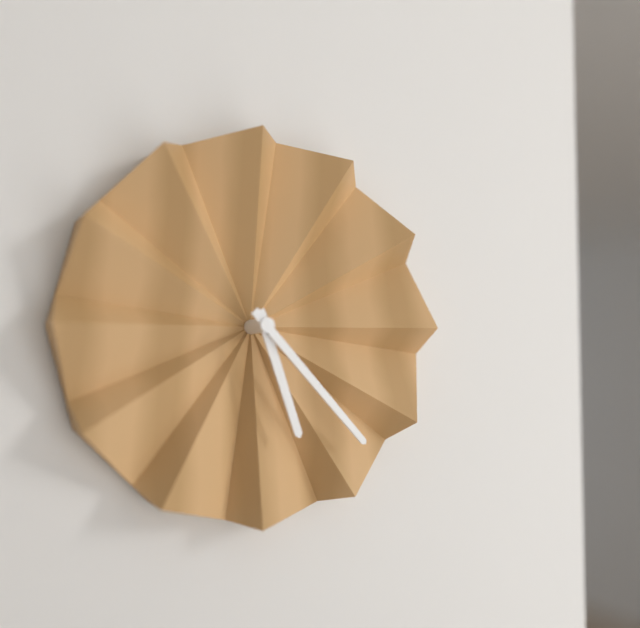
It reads 5:23
